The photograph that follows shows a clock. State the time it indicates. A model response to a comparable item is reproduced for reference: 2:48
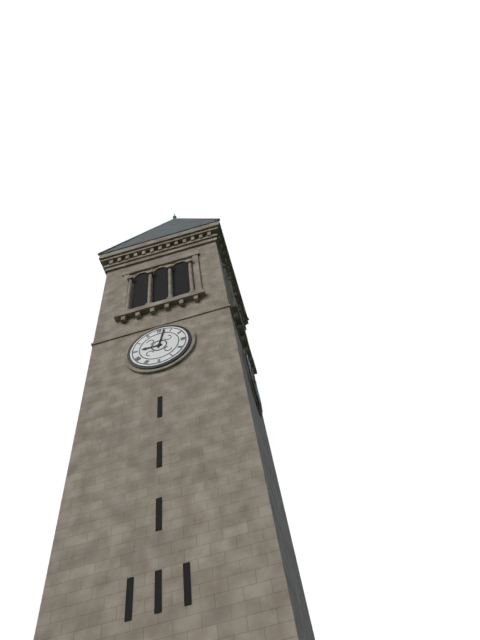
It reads 9:02
